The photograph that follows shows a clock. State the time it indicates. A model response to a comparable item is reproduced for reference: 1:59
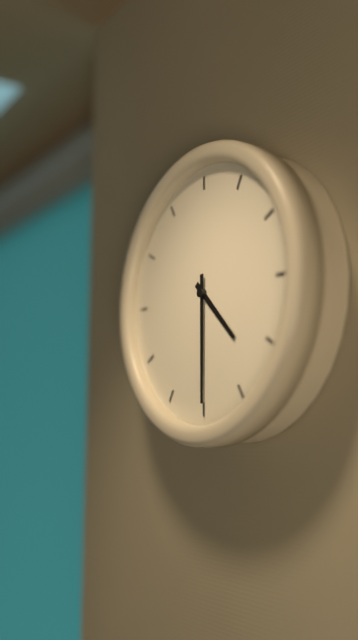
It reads 4:30
